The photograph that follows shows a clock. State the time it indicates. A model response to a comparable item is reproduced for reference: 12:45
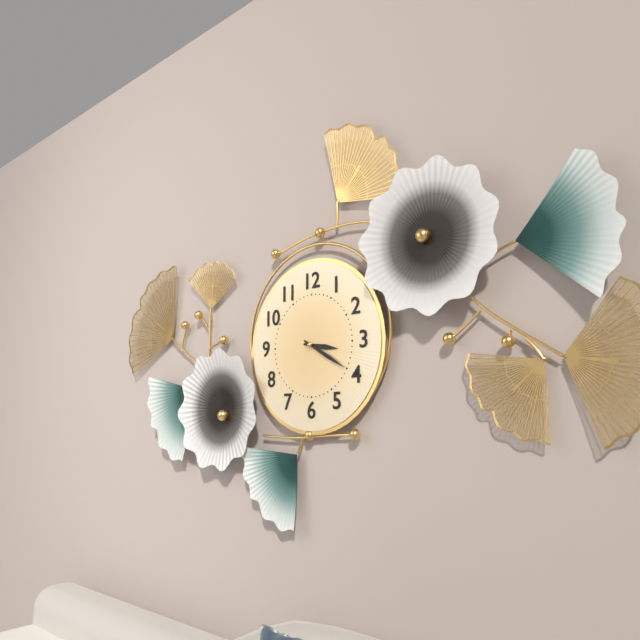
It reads 3:20
